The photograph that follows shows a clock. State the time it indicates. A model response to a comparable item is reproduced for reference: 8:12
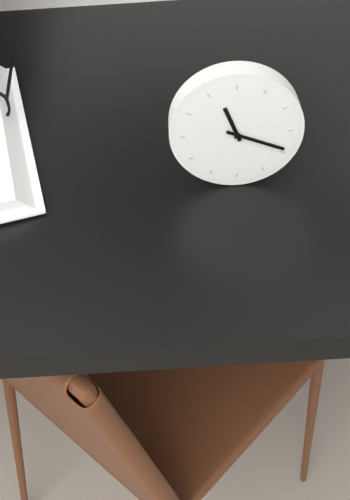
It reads 11:19
